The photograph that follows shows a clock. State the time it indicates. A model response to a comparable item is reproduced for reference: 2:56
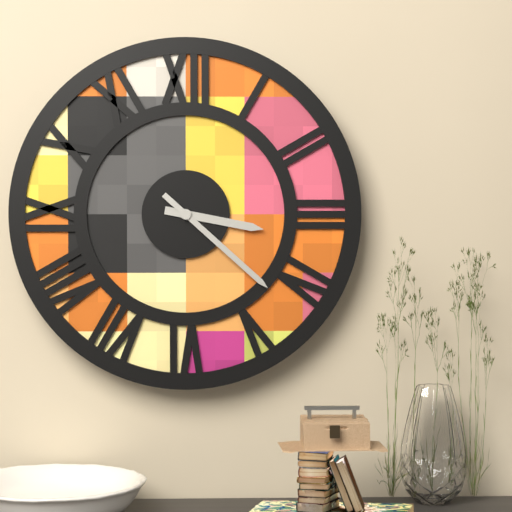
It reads 3:22
